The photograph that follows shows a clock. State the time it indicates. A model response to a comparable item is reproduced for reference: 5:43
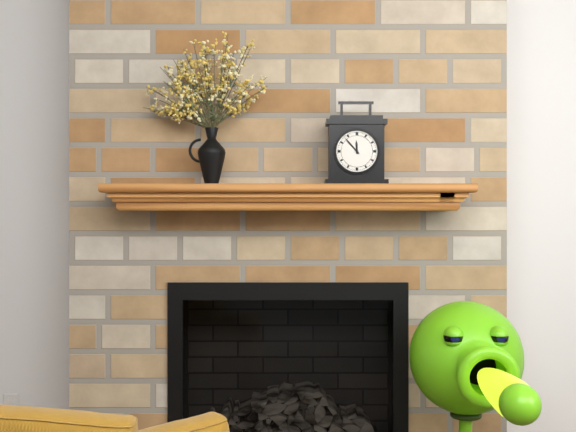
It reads 11:53
